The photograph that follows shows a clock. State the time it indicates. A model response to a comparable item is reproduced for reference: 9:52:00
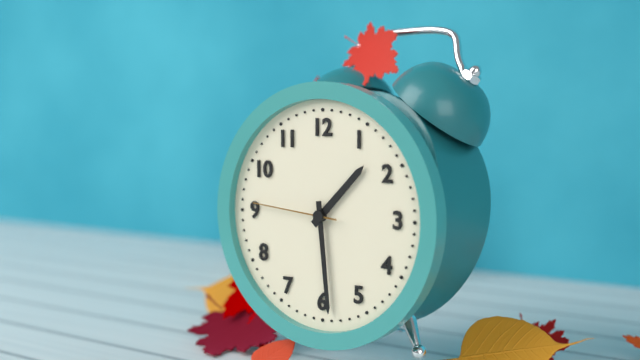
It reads 1:29:46
